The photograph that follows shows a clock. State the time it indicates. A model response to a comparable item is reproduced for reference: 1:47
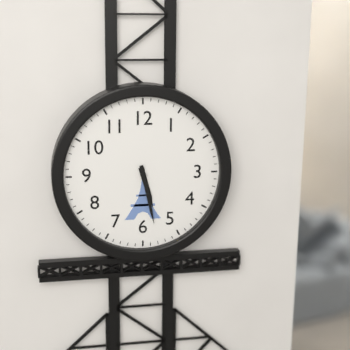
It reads 5:28
